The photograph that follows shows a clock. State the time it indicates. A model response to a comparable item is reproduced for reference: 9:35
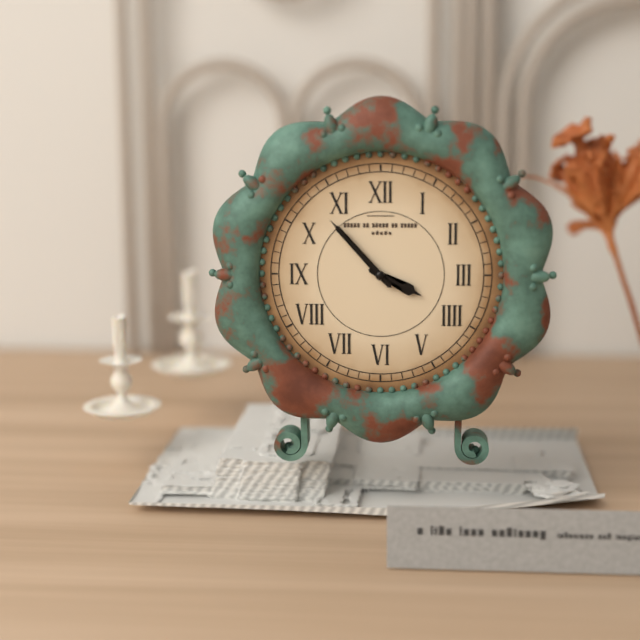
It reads 3:53
